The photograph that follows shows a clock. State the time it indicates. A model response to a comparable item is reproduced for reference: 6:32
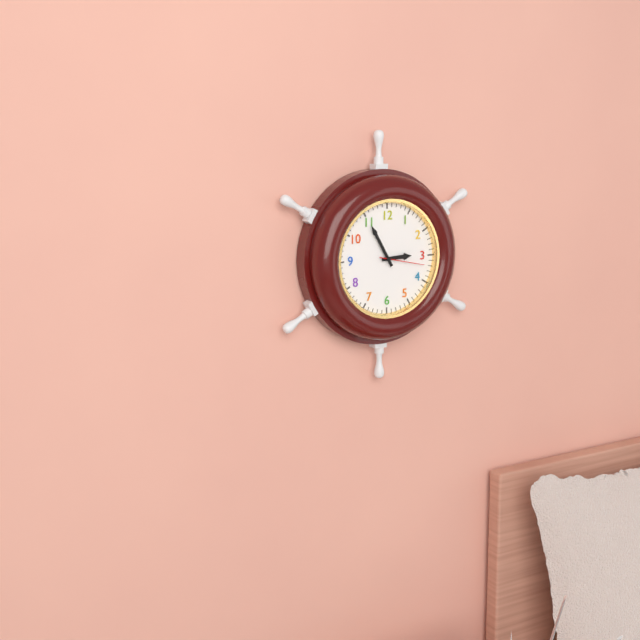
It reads 2:55
